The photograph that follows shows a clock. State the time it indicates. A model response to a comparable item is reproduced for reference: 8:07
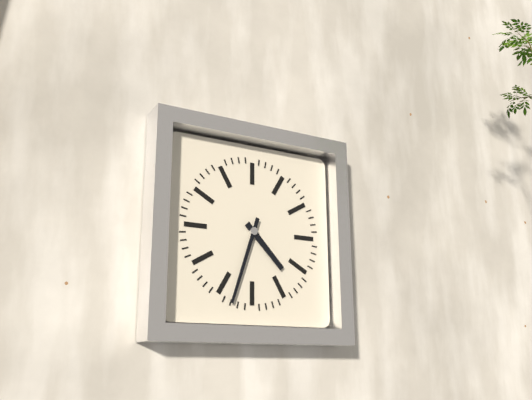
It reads 4:33
